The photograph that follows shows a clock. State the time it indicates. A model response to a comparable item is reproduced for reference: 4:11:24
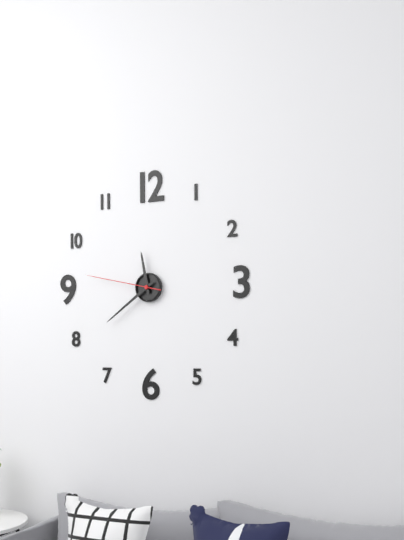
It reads 11:39:47
